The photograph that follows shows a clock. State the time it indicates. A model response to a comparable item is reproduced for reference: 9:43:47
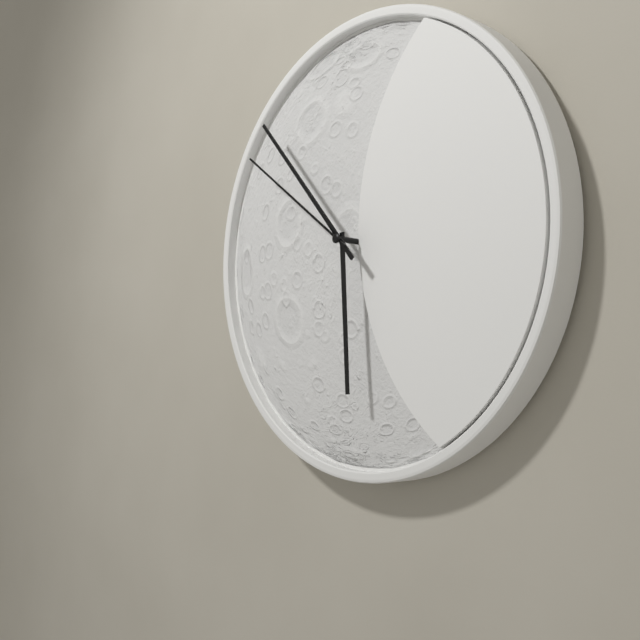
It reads 5:53:51
